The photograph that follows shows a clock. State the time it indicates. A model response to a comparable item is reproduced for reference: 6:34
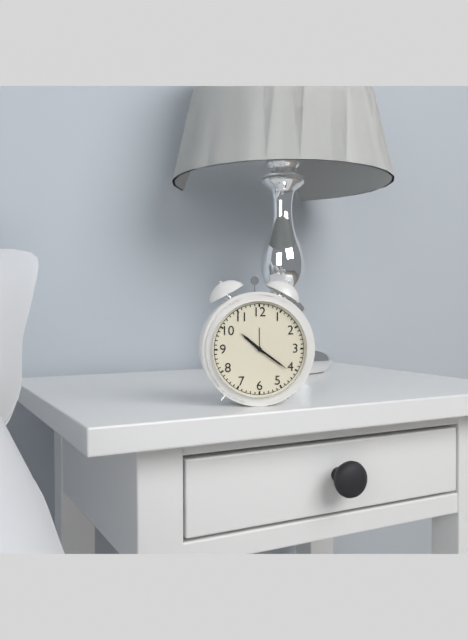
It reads 10:21
